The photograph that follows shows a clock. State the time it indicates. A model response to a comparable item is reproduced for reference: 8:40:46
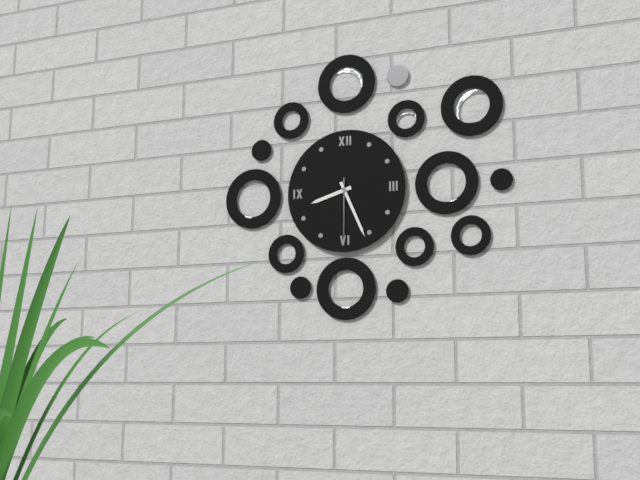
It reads 8:26:30
